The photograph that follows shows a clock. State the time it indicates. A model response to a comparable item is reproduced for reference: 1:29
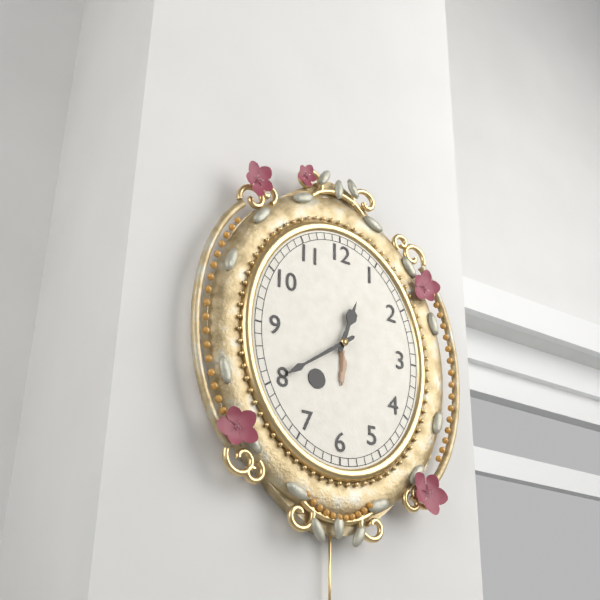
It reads 12:39
